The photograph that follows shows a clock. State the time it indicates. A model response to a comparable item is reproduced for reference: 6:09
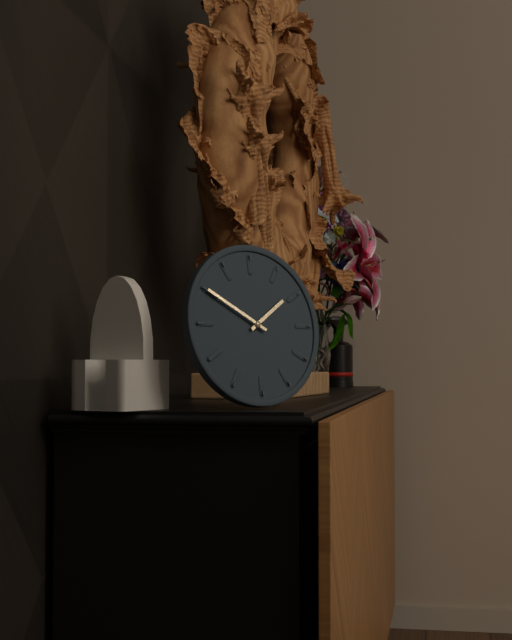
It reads 1:50
